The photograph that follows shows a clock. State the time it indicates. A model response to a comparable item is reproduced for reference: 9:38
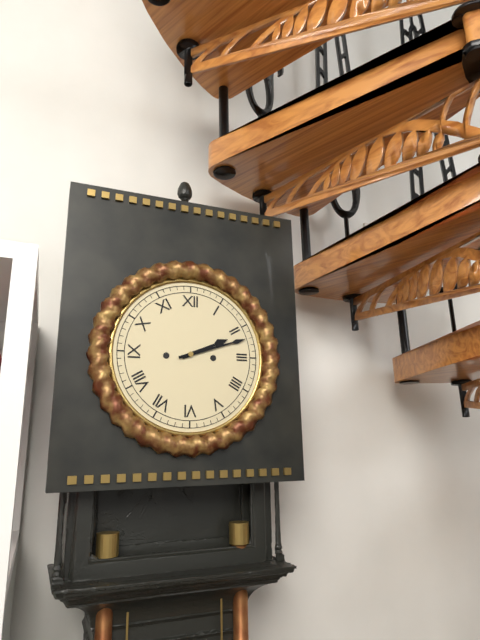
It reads 2:12
